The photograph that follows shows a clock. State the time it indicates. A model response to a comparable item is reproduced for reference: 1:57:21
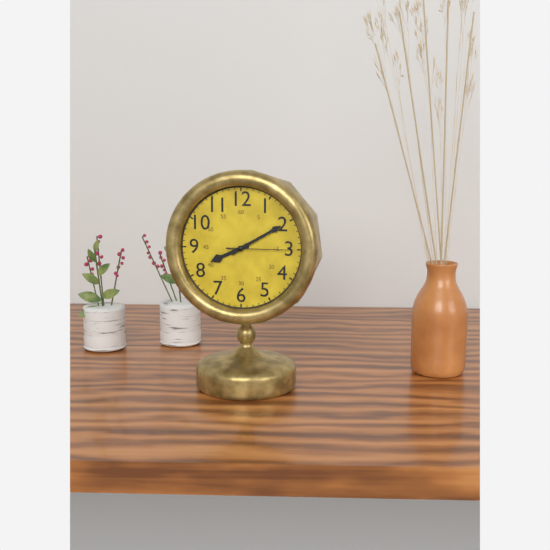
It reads 8:10:15
